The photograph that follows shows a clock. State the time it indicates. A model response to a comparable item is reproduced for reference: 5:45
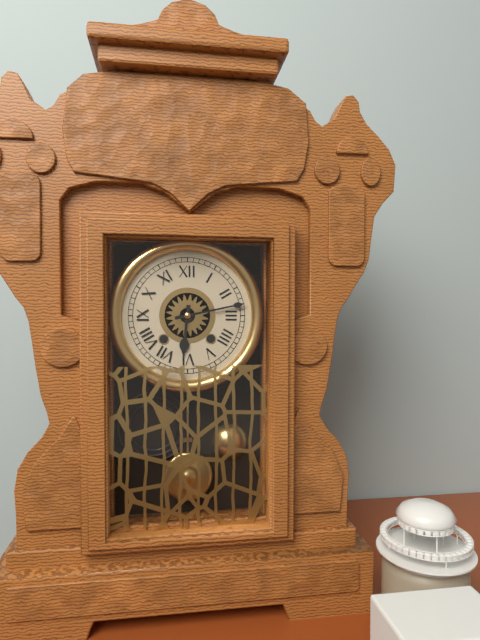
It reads 6:13
